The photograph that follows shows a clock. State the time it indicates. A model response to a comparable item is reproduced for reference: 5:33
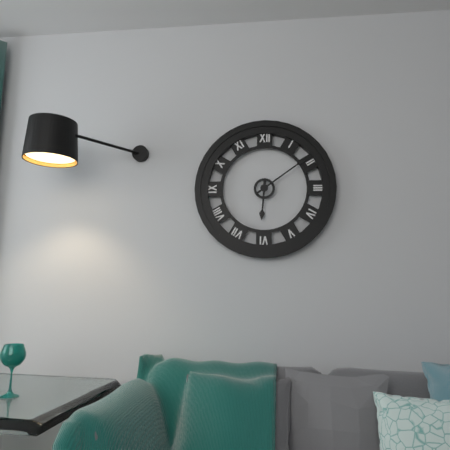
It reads 6:09
